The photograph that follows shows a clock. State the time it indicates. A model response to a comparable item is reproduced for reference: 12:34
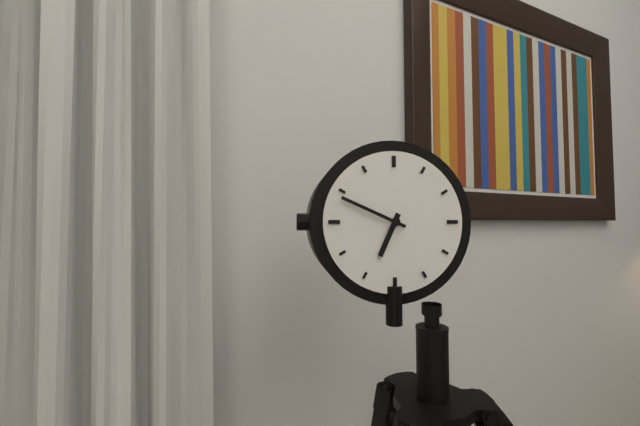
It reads 6:49
